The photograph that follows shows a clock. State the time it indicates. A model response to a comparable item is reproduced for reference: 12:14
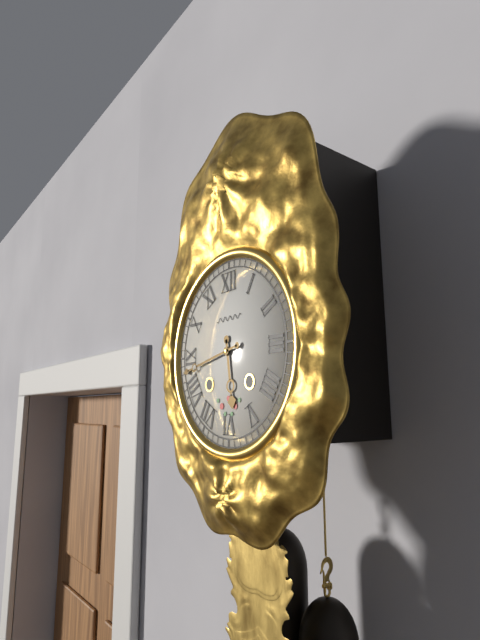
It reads 5:43
